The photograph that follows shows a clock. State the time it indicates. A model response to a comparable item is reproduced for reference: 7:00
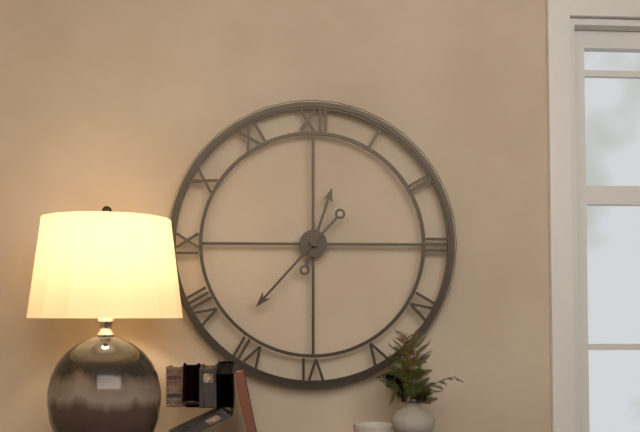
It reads 12:37
